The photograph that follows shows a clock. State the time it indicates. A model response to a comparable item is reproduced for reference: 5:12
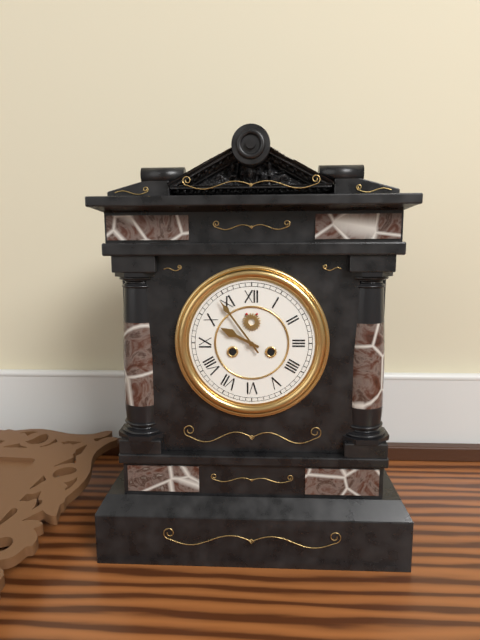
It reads 9:54
